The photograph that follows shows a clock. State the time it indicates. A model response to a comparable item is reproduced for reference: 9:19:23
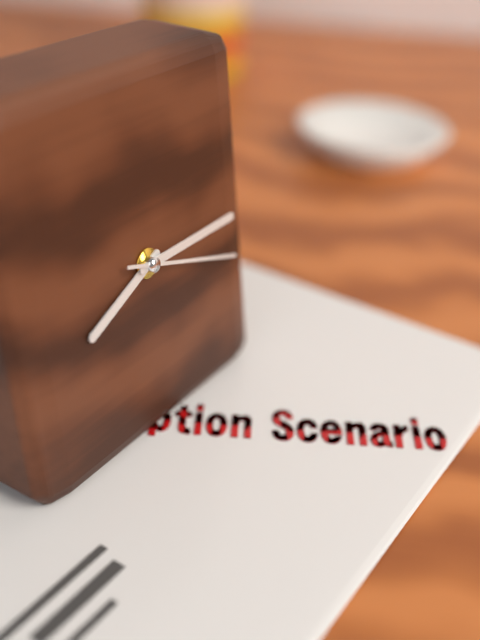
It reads 8:15:18
